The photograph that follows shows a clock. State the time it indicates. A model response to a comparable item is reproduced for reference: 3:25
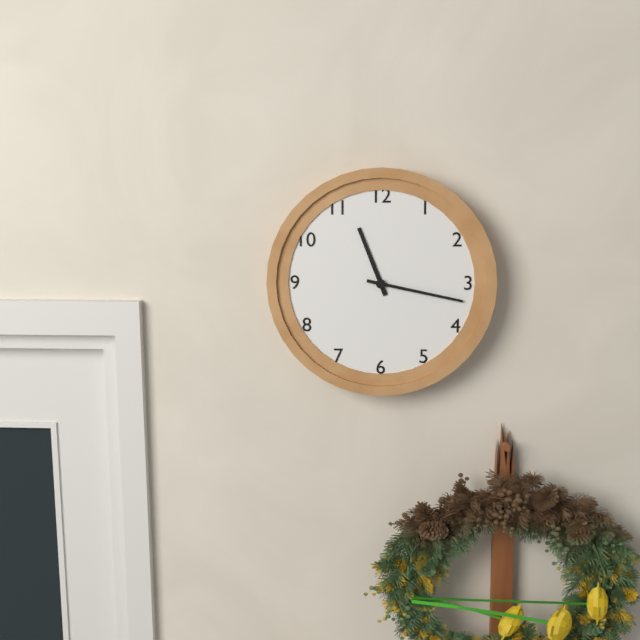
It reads 11:17
